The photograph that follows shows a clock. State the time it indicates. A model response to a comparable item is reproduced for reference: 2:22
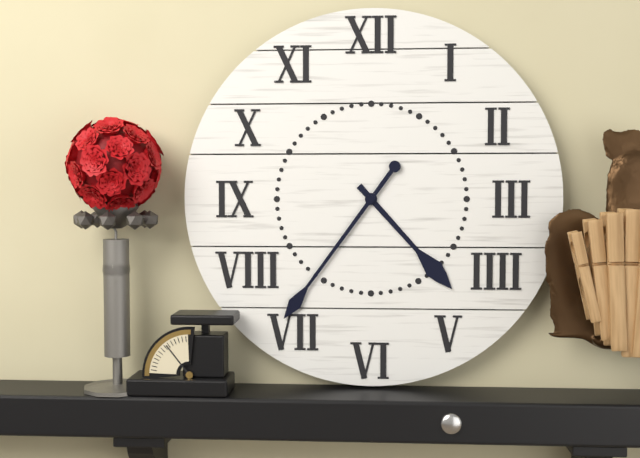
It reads 4:36
